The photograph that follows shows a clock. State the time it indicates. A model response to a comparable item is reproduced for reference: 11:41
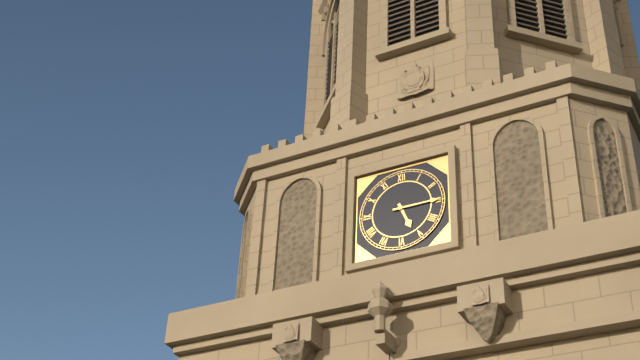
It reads 5:15
